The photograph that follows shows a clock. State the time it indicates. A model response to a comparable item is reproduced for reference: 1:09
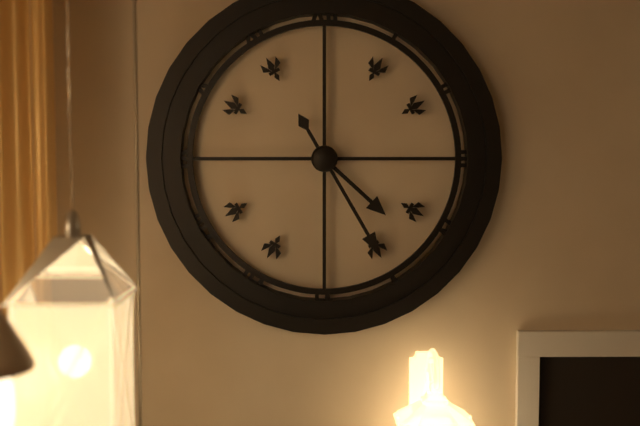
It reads 4:25
